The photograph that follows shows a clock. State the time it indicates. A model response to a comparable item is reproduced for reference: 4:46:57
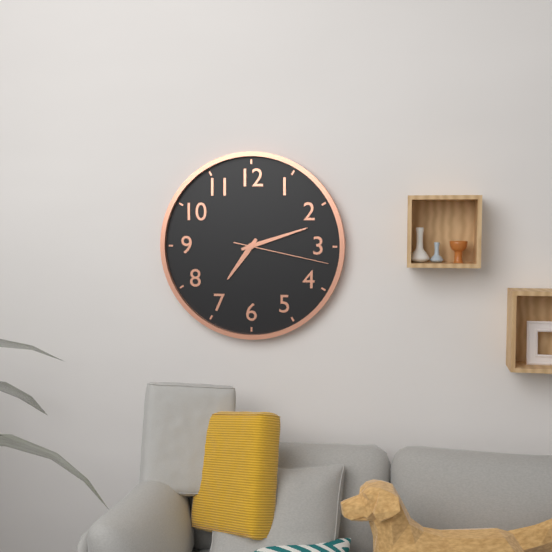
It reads 7:12:17
